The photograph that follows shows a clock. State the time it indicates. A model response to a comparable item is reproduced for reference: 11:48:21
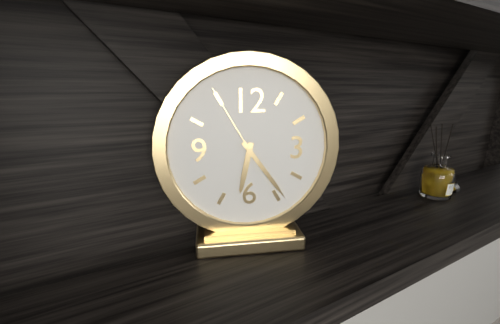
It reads 6:24:55
